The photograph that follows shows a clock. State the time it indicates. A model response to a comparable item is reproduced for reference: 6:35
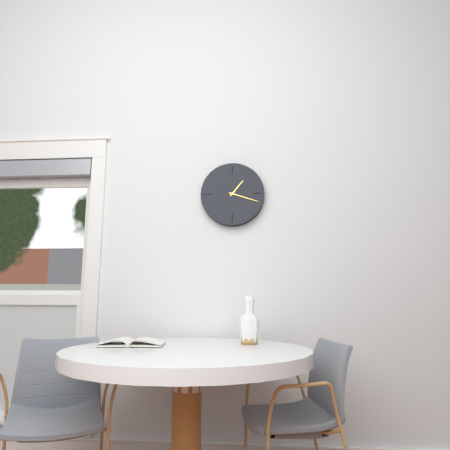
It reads 1:18
